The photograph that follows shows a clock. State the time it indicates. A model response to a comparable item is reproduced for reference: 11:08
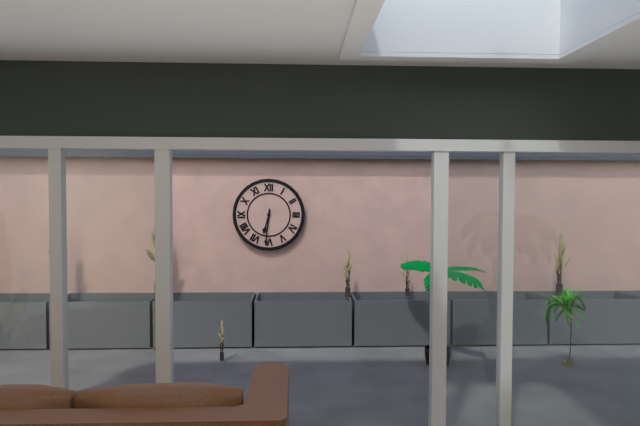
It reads 6:31
